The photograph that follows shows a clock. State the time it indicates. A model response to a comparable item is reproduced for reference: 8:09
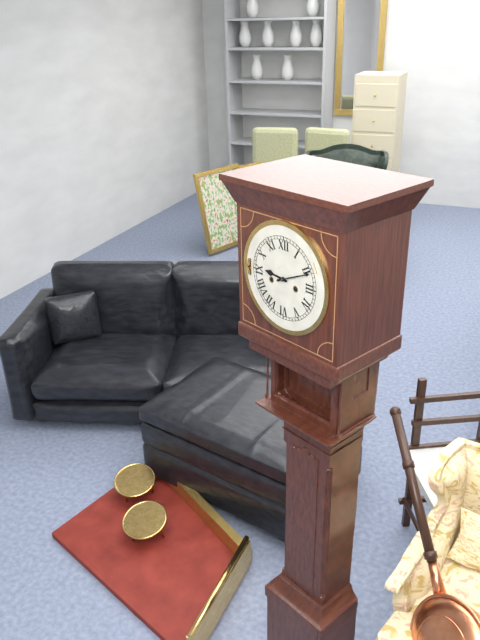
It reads 9:11
